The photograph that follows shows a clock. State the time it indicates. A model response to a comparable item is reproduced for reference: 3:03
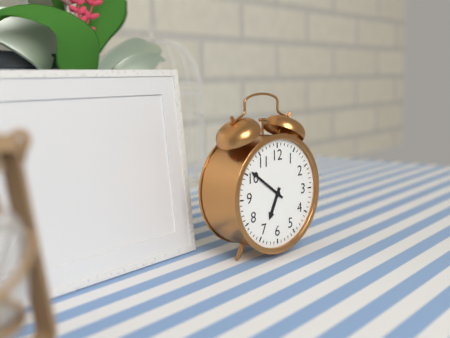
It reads 6:51
